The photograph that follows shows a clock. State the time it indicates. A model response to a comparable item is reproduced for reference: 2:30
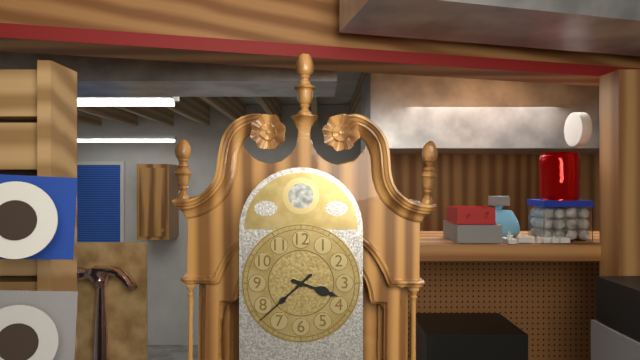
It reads 3:38
